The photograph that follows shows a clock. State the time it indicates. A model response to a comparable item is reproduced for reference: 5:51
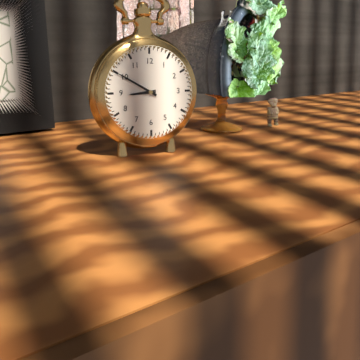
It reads 8:50
